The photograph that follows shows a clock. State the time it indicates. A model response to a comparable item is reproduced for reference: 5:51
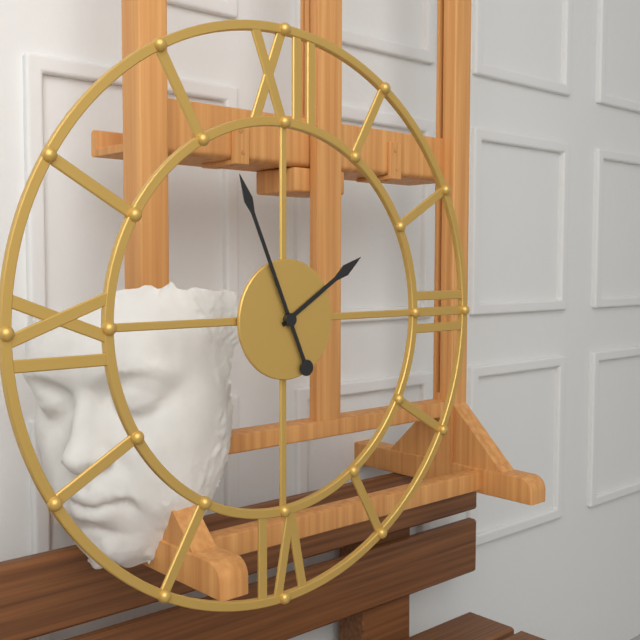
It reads 1:56
